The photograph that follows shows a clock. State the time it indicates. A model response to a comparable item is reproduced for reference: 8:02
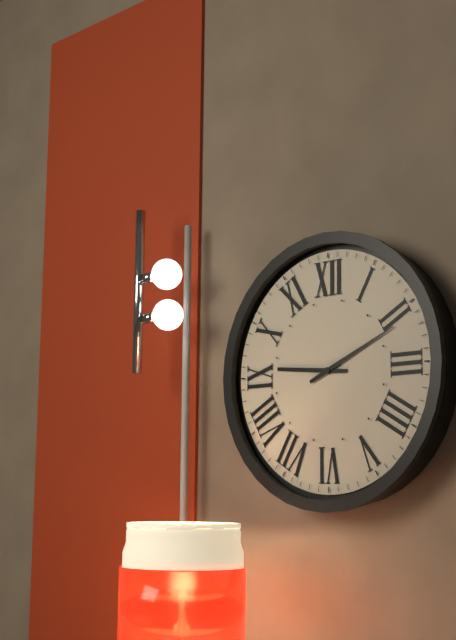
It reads 9:11
